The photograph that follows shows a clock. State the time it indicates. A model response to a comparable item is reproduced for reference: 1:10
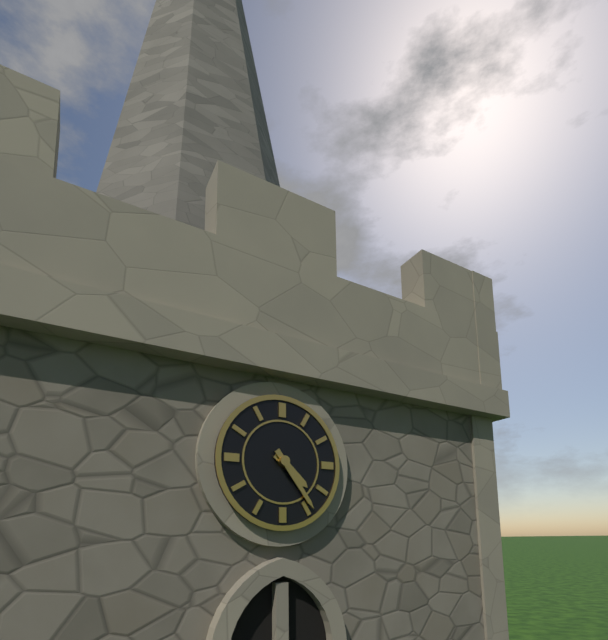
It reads 4:24
